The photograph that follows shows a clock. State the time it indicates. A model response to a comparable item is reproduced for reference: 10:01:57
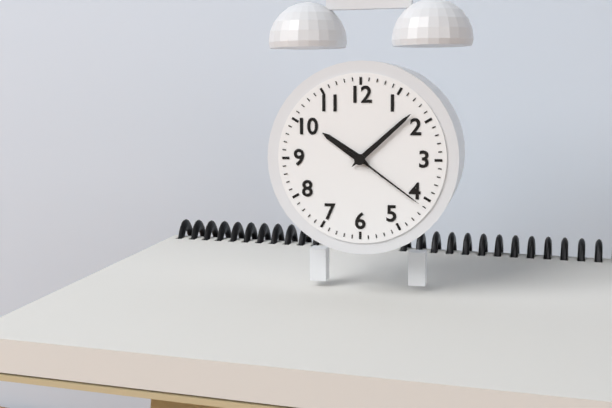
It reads 10:08:21
